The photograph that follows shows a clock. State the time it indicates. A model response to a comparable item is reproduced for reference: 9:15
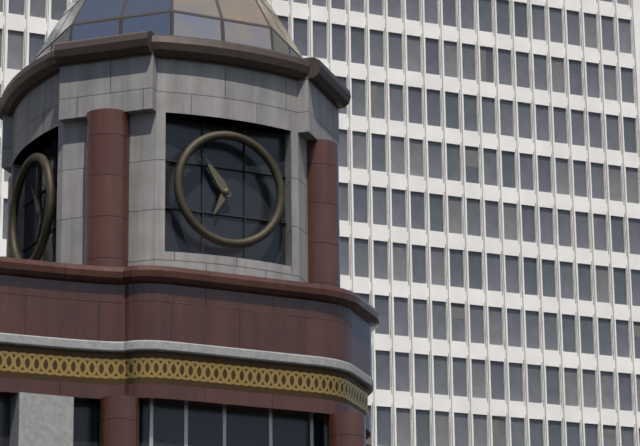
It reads 6:54
